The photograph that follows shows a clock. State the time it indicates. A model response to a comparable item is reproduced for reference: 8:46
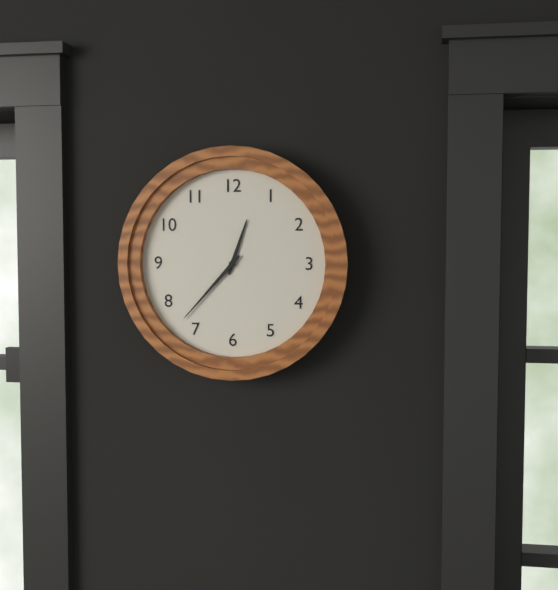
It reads 12:37
